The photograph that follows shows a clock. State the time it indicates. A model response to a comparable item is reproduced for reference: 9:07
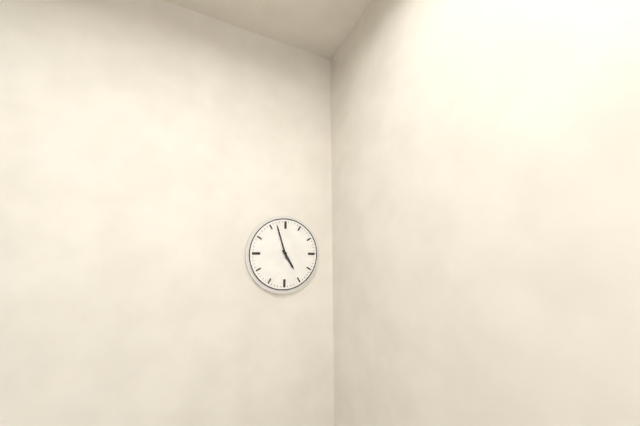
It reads 4:57
